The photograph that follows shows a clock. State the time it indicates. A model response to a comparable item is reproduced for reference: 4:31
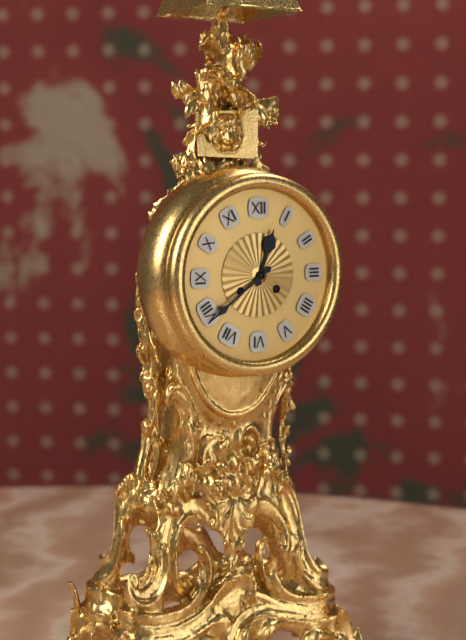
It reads 12:39
